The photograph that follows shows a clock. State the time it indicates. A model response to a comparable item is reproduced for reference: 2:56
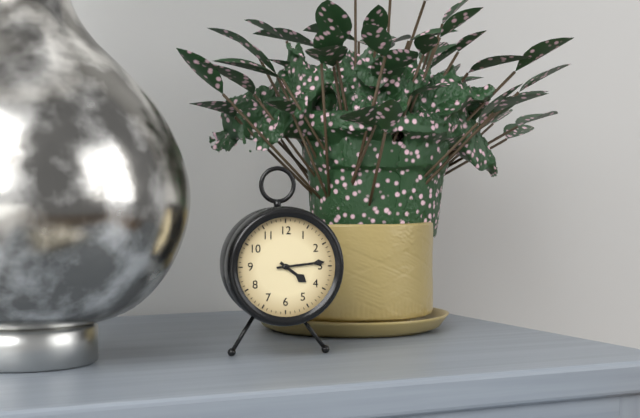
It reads 4:14
